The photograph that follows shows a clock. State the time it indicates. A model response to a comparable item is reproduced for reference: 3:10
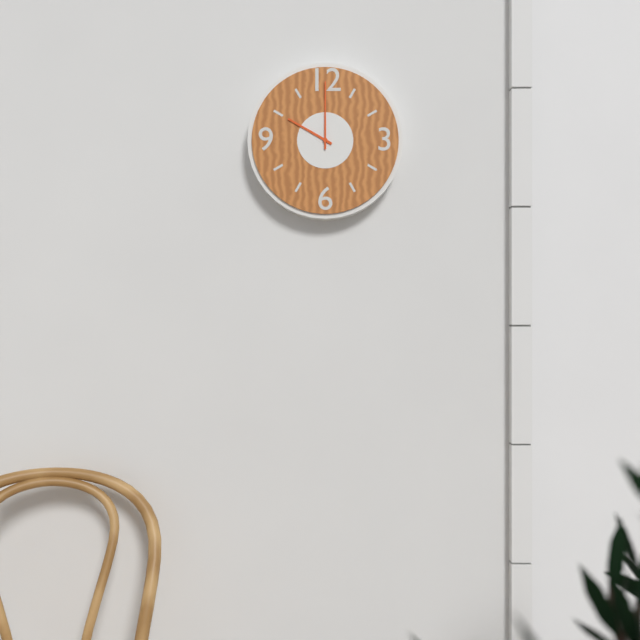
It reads 10:00
